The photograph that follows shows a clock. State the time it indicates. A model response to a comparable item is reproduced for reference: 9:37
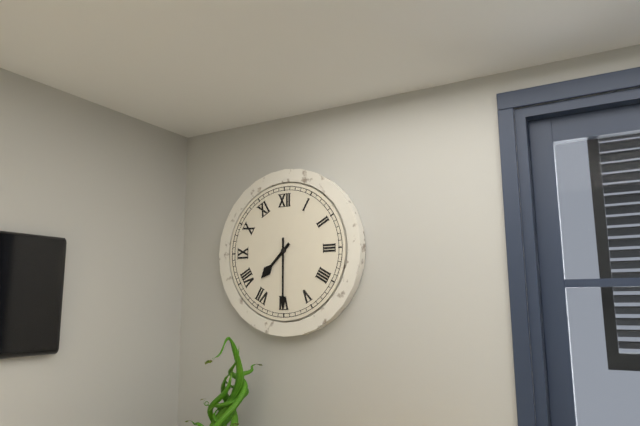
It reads 7:30
